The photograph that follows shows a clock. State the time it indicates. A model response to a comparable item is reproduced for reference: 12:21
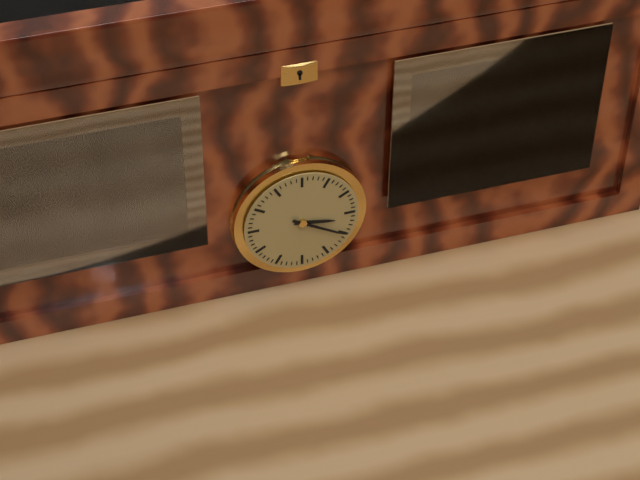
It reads 3:20
